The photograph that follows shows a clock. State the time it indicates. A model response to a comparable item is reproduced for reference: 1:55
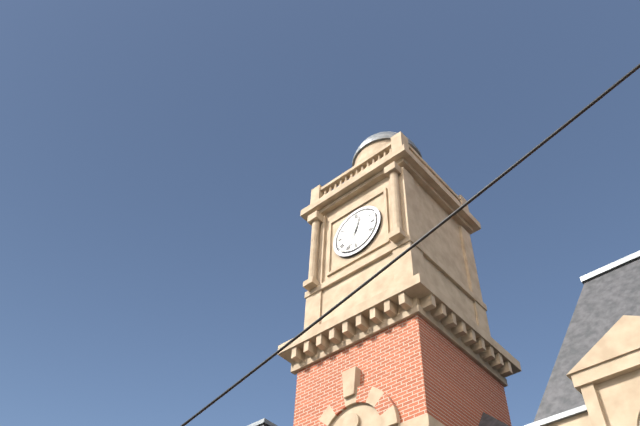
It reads 12:34
